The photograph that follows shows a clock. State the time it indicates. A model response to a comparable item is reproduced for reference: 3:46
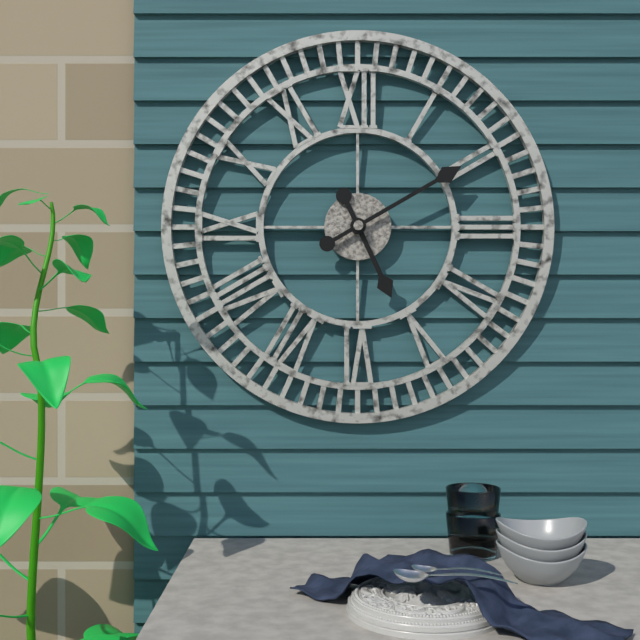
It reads 5:10
